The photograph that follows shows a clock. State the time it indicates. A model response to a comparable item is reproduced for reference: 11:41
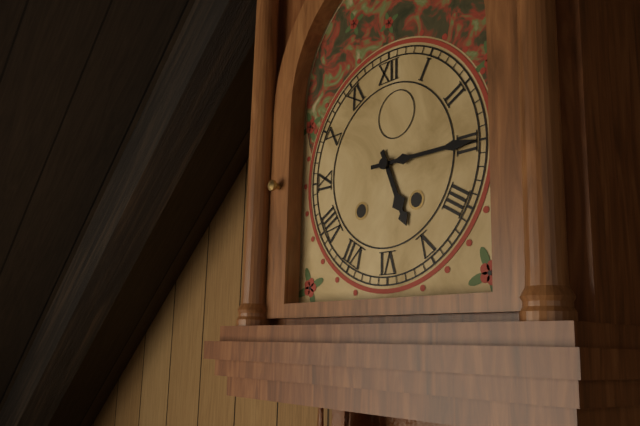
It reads 5:15
